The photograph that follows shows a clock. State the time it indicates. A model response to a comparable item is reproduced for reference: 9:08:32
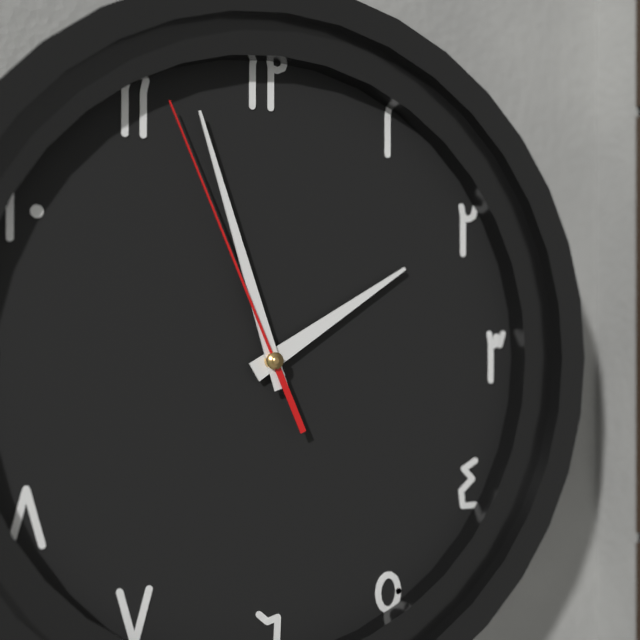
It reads 1:57:56
